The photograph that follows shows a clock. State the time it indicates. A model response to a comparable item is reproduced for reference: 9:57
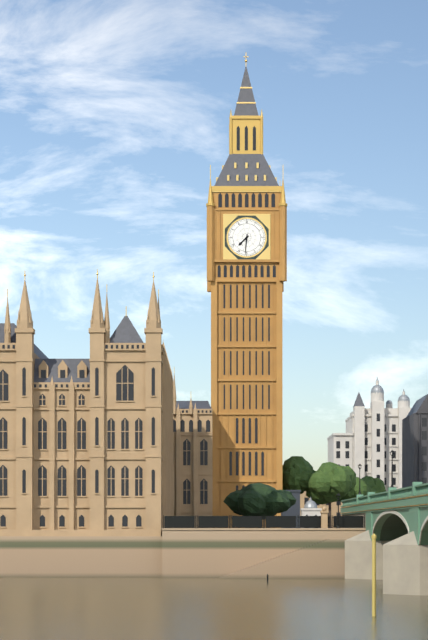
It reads 7:31
